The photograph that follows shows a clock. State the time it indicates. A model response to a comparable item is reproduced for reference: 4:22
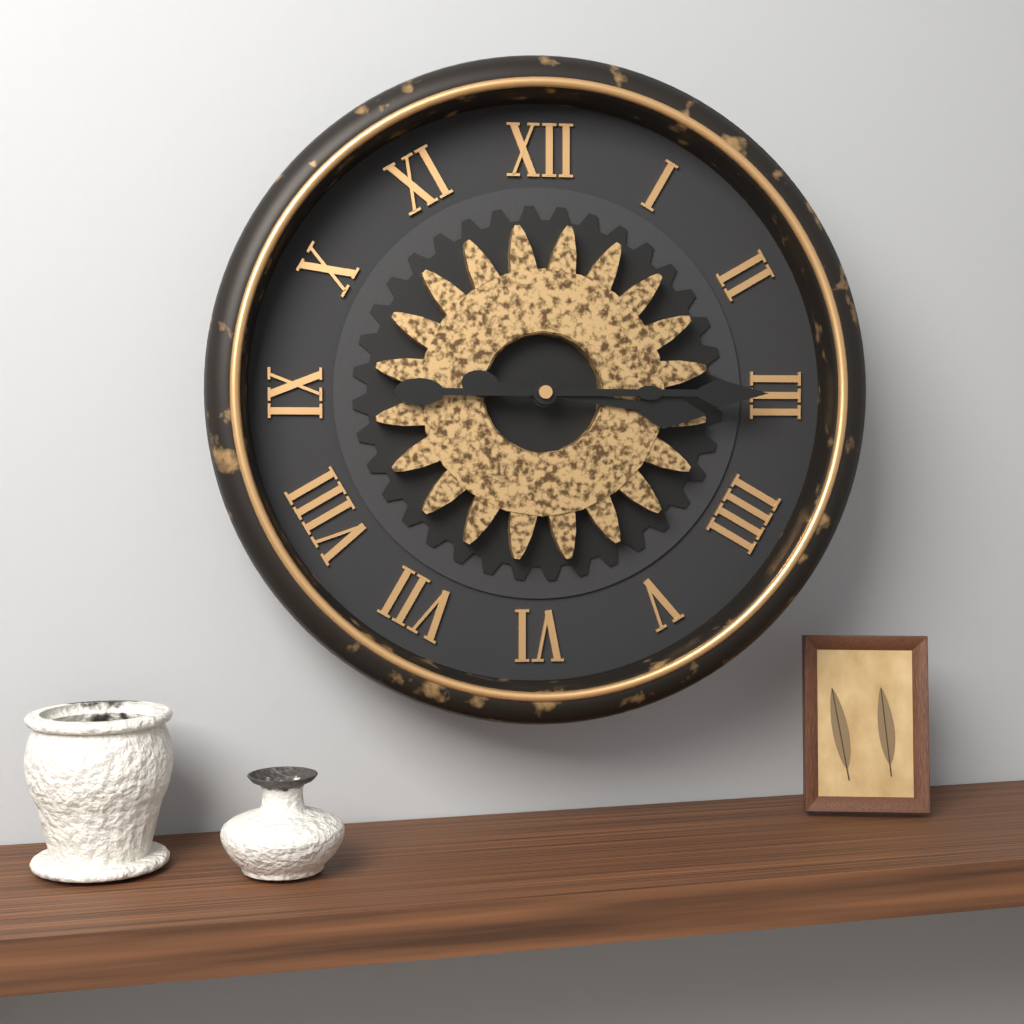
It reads 3:15
